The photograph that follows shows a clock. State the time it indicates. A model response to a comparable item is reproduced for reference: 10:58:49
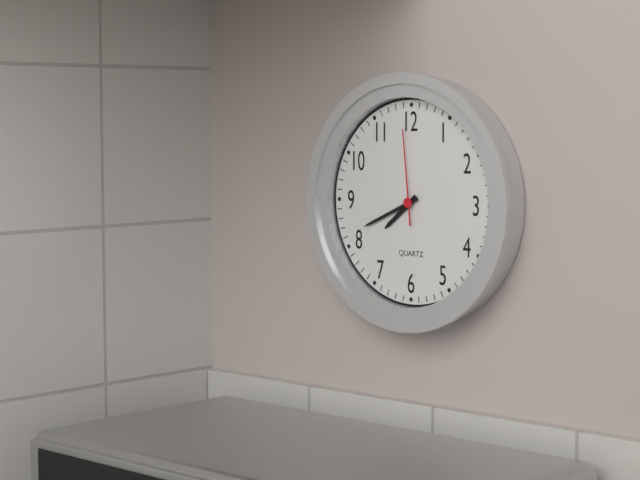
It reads 7:41:59
